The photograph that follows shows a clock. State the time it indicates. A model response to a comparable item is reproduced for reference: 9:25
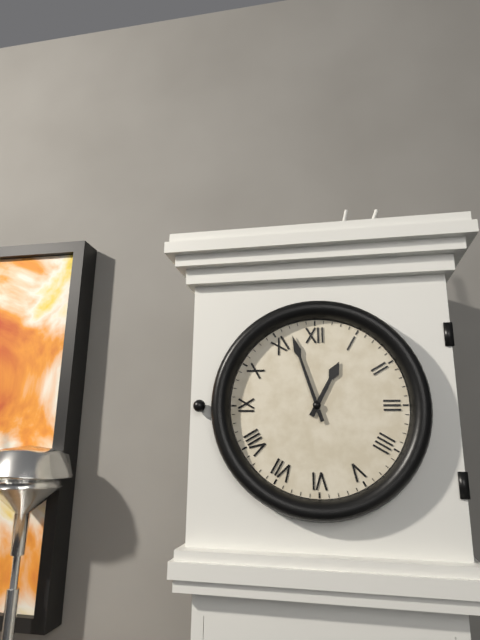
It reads 12:57
